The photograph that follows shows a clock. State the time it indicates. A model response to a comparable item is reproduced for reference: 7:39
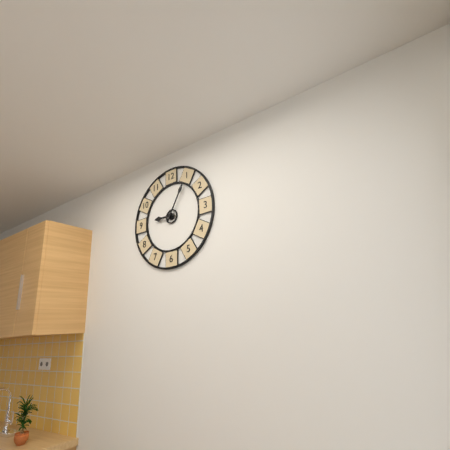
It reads 9:05
